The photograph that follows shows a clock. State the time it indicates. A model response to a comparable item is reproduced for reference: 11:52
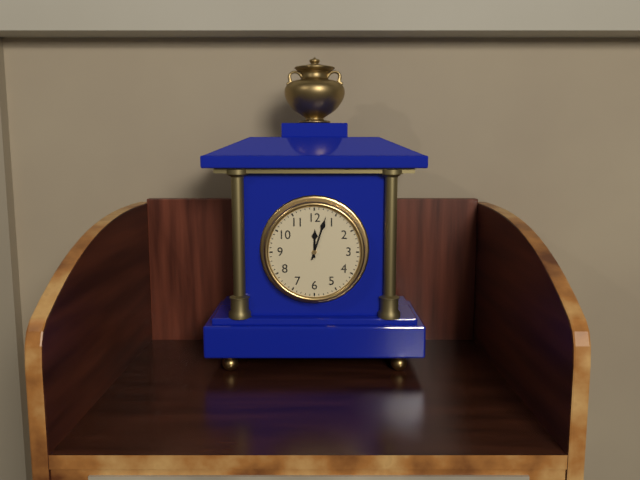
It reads 12:03
